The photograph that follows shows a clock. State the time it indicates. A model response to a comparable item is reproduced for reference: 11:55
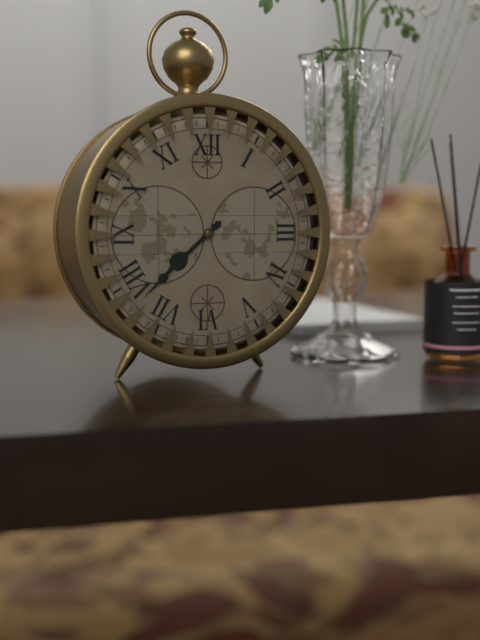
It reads 7:38
